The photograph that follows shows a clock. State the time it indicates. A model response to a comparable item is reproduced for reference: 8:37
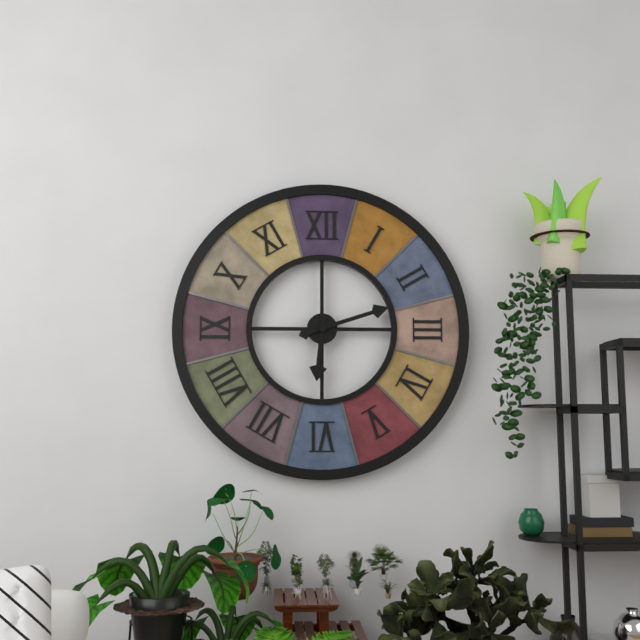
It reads 6:12
